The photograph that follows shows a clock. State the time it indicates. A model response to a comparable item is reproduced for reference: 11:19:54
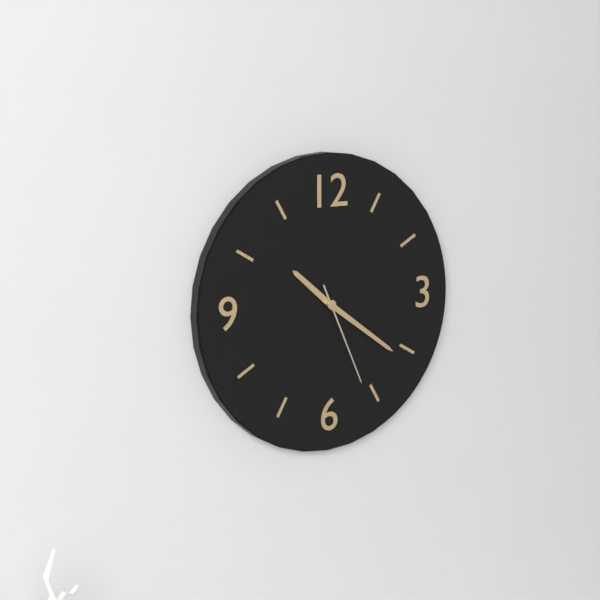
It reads 10:21:26
